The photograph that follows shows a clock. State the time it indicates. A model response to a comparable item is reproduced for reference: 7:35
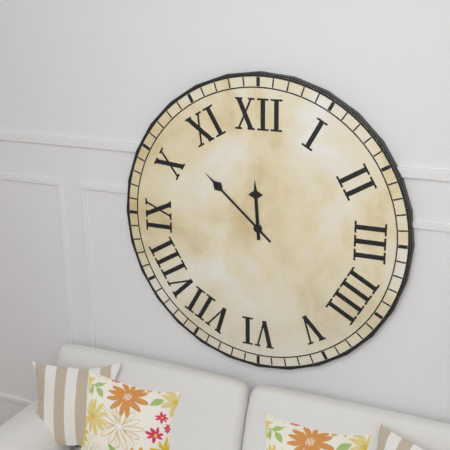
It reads 11:52
